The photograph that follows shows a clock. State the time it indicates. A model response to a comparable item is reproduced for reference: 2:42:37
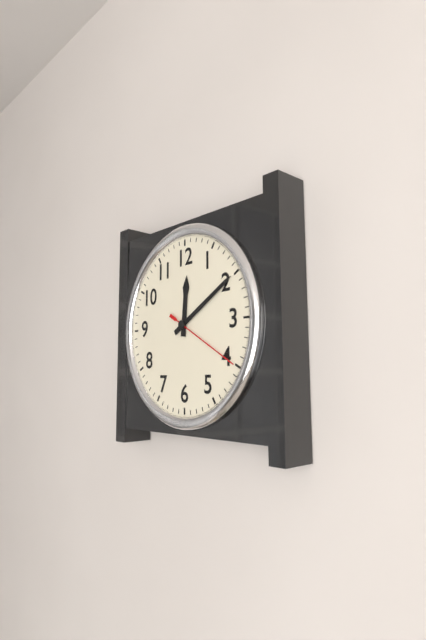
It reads 12:10:20
